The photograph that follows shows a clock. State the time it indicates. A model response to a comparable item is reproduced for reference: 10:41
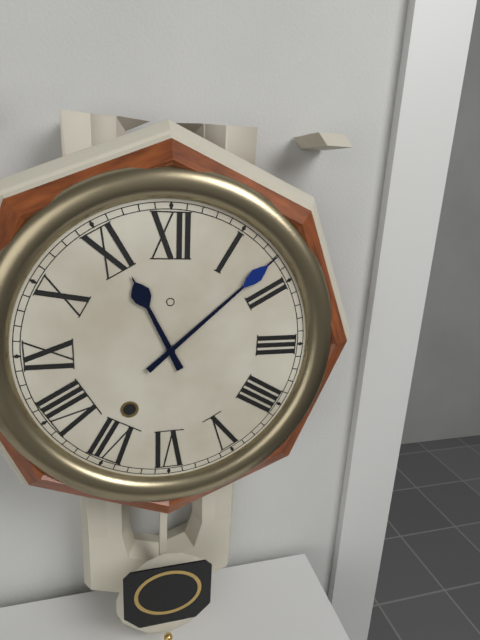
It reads 11:08
